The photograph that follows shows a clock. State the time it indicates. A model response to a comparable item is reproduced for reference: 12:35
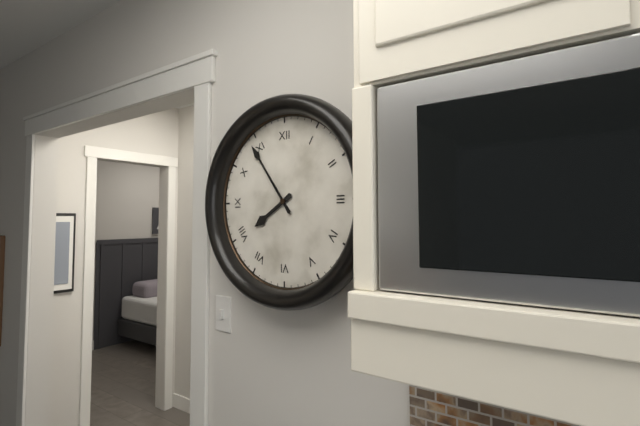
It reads 7:54
